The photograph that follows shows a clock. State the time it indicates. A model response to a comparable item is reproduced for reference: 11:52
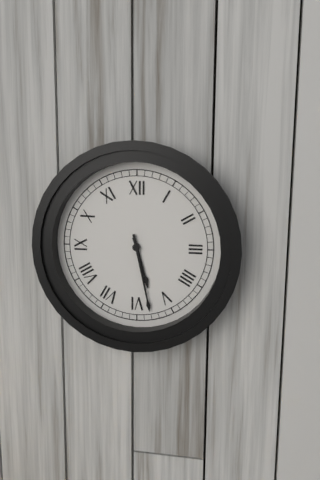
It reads 5:28
